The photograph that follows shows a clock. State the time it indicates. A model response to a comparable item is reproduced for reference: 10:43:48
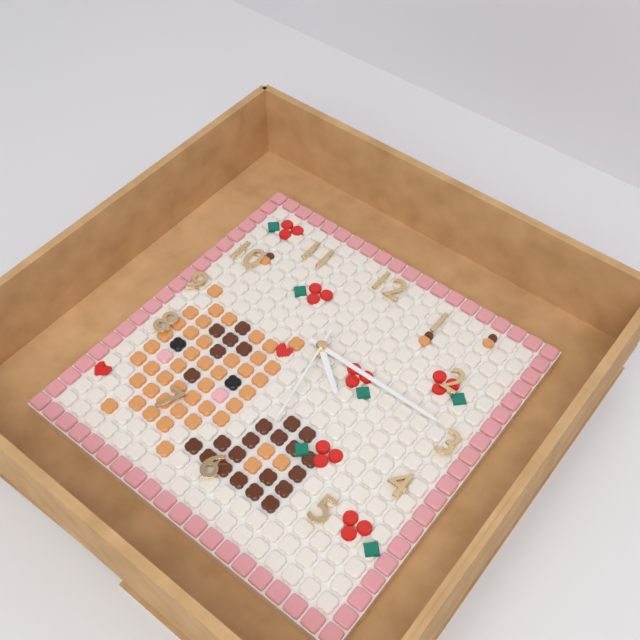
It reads 4:15:28
